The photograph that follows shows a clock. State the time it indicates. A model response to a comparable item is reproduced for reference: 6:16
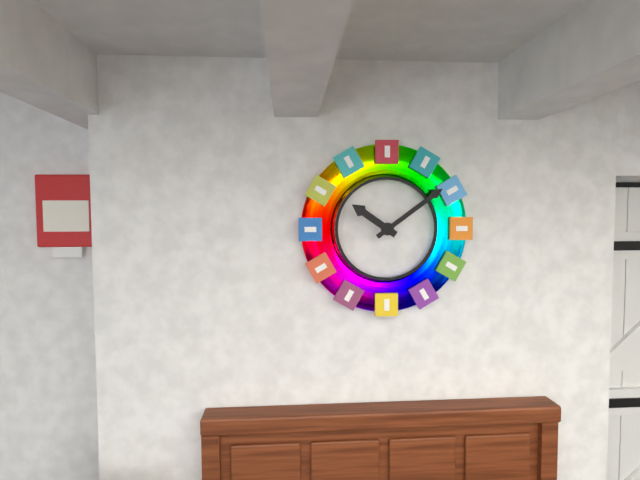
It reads 10:09
